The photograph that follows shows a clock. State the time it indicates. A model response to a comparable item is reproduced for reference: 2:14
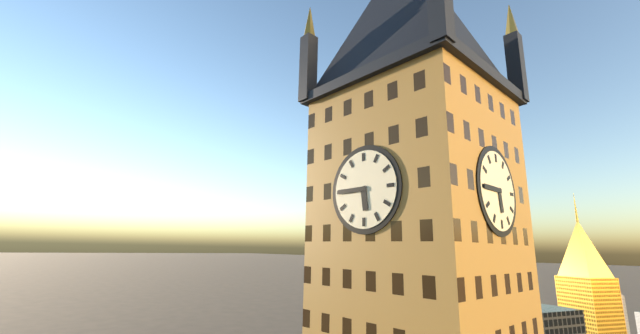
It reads 5:45
